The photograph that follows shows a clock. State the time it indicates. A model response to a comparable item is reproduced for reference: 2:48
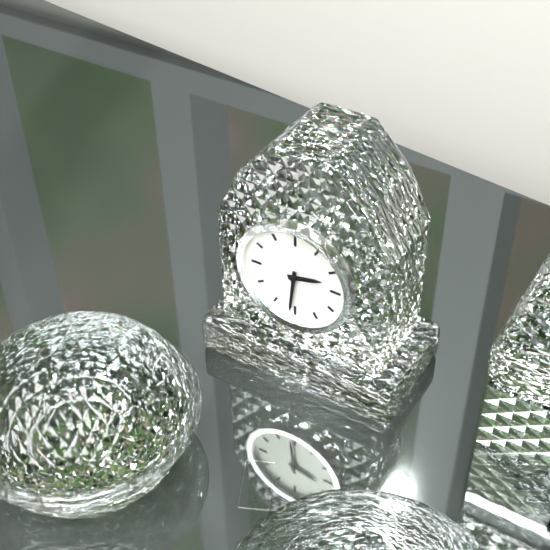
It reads 2:31
